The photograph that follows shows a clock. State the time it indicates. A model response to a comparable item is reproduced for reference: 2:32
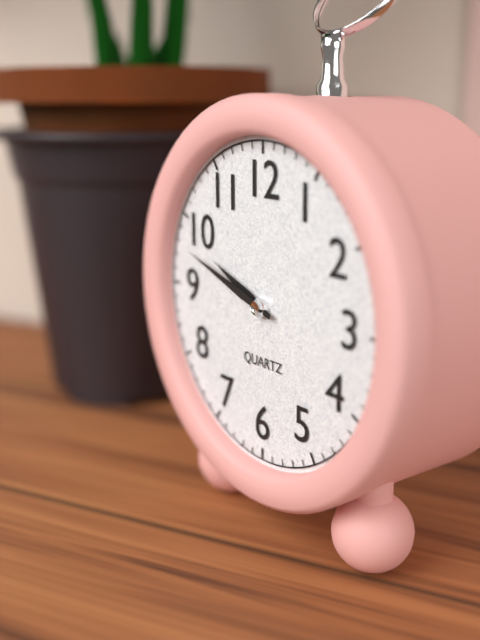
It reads 9:48
